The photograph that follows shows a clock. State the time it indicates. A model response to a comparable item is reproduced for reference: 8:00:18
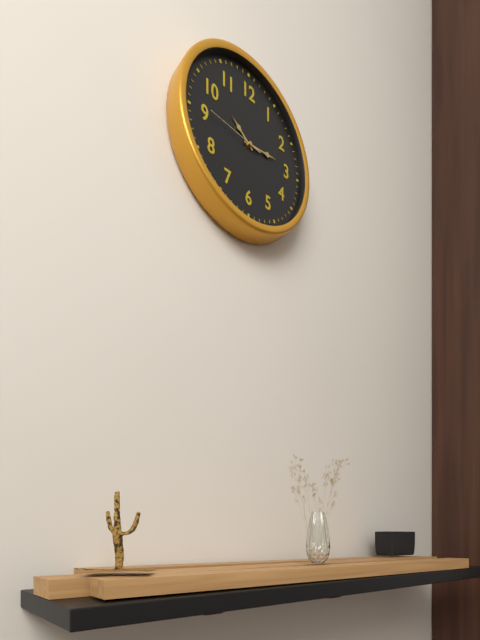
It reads 10:14:46
